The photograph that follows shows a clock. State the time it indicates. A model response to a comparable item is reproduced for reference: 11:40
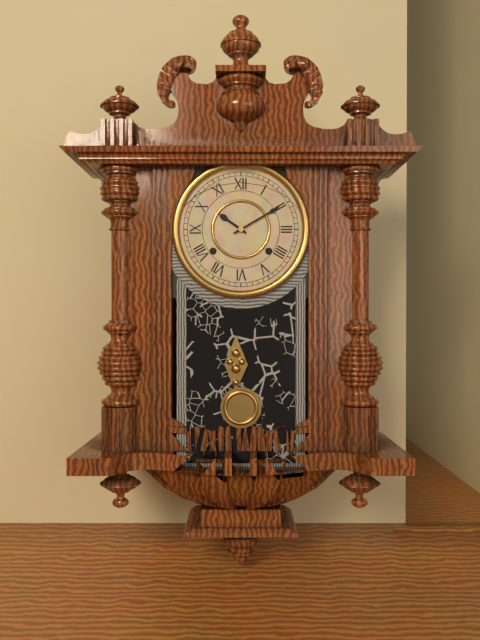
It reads 10:10
